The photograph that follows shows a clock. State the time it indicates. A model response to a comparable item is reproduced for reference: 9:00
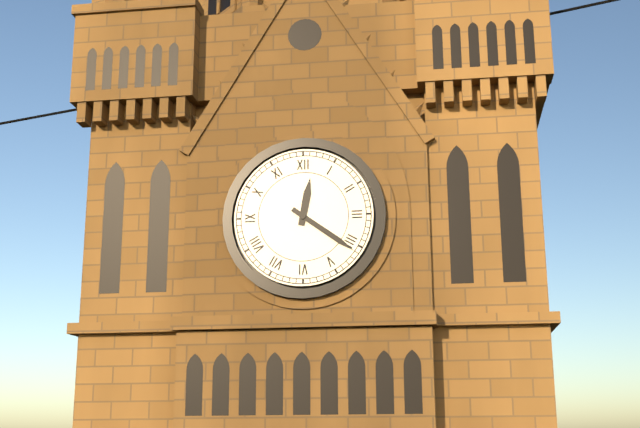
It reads 12:21
